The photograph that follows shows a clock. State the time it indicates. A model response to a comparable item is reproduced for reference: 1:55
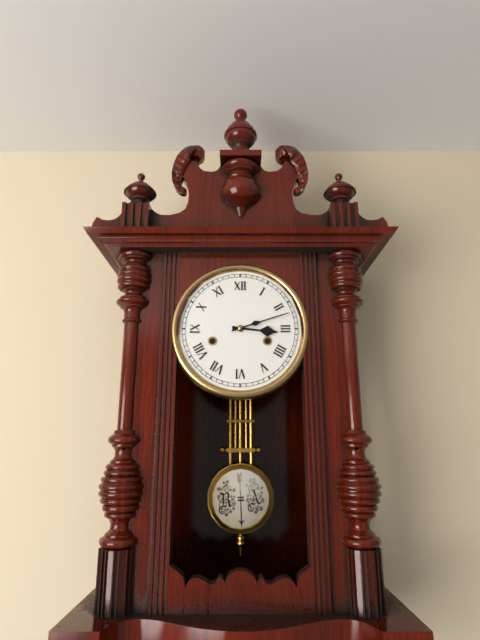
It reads 3:12
